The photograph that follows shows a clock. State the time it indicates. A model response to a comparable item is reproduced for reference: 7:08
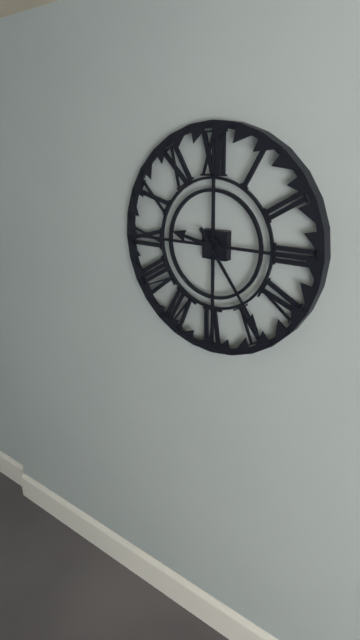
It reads 9:24
